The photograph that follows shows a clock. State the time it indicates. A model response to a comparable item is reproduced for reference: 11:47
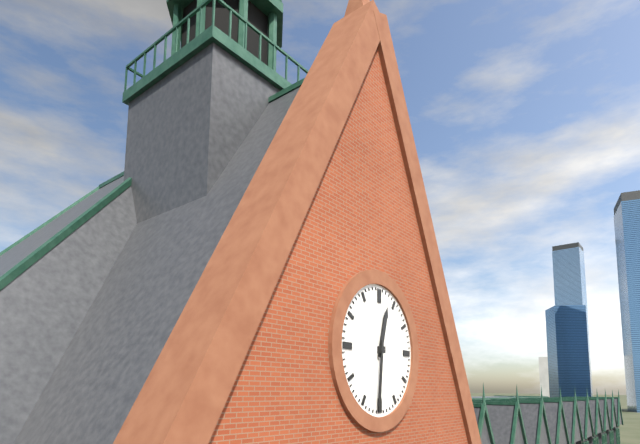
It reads 12:31
